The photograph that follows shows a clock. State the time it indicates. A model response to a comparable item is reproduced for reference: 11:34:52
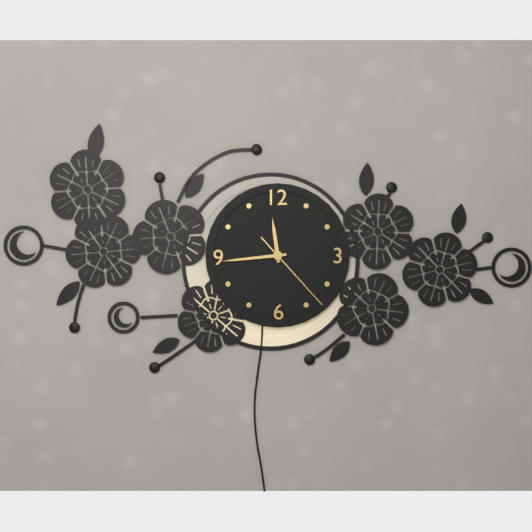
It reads 11:44:23
